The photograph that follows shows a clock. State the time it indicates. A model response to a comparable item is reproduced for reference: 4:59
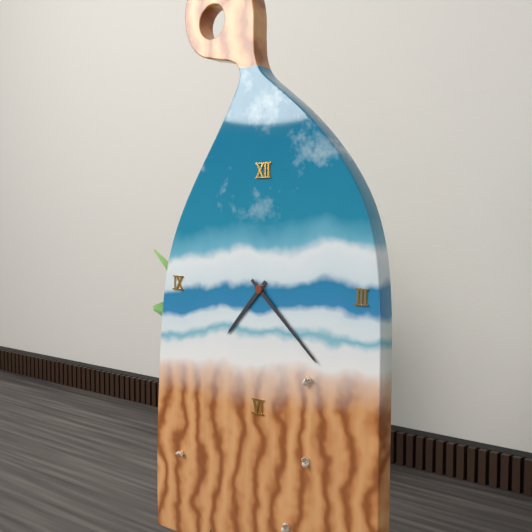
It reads 7:22
